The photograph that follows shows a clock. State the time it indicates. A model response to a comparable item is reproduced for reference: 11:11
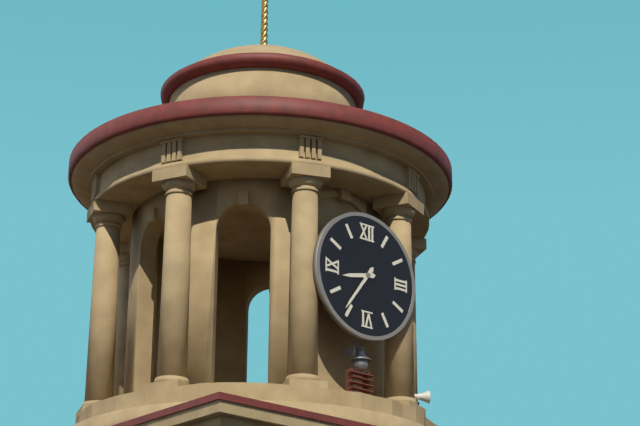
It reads 8:36
